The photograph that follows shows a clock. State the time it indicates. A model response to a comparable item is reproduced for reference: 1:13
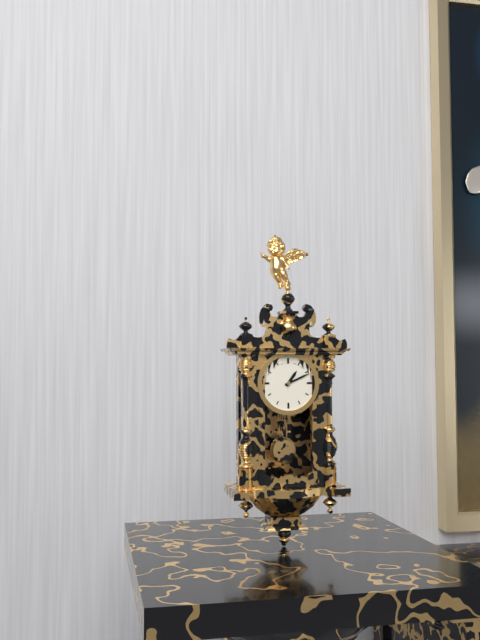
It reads 1:11
